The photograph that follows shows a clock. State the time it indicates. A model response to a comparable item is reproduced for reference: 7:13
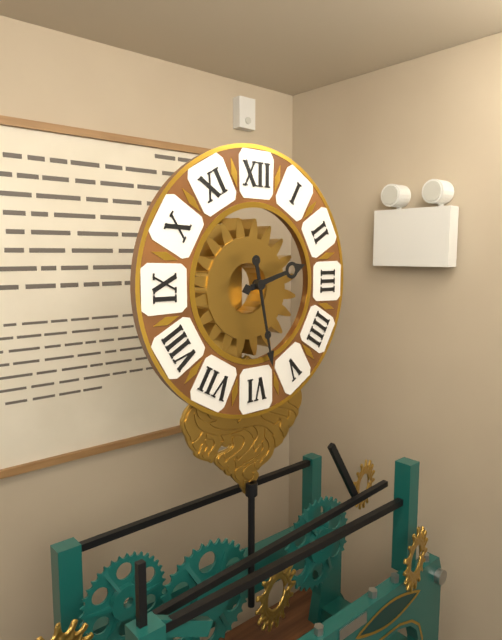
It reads 2:28
